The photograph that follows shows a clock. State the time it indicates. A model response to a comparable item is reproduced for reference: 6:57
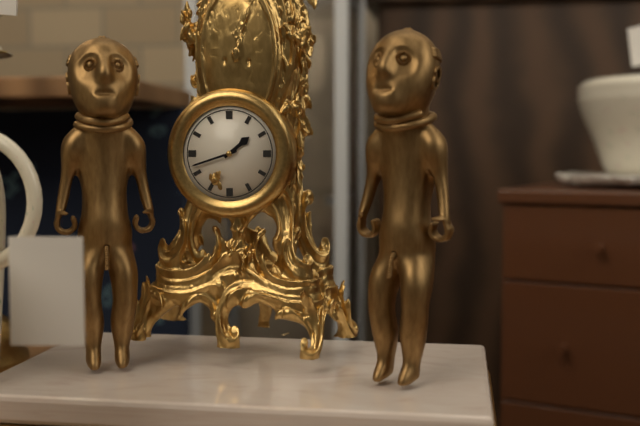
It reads 1:42
